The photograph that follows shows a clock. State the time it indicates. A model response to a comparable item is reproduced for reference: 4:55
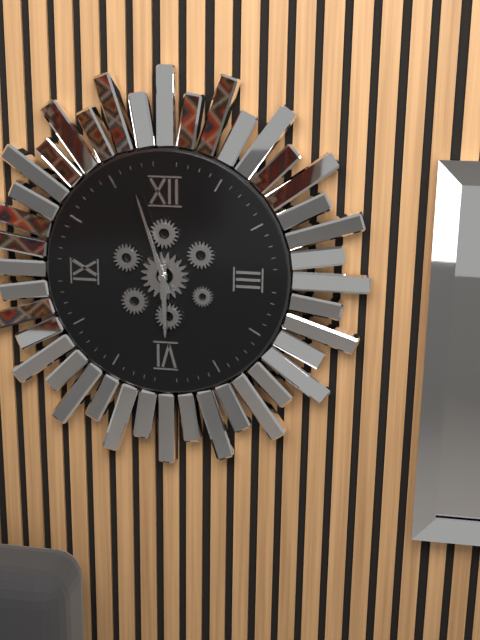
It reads 5:57
